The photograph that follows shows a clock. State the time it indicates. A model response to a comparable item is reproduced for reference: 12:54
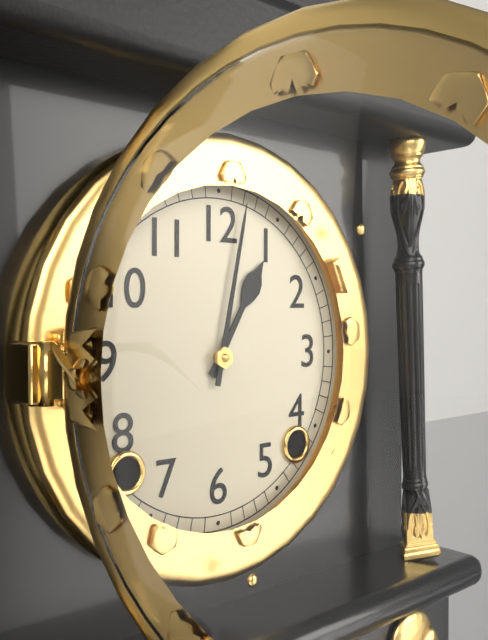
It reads 1:02
